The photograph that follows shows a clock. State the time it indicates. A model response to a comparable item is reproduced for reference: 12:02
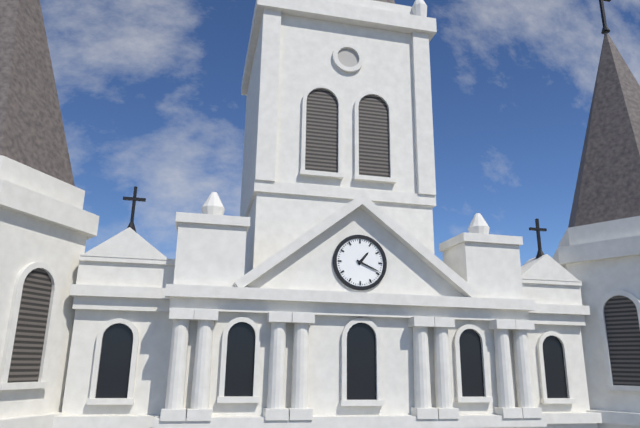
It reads 1:19
